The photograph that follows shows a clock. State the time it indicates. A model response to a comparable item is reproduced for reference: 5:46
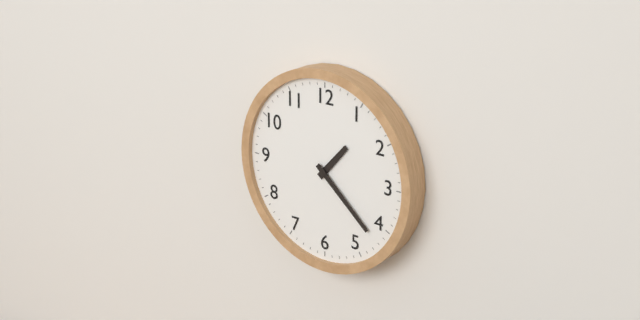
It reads 1:22
